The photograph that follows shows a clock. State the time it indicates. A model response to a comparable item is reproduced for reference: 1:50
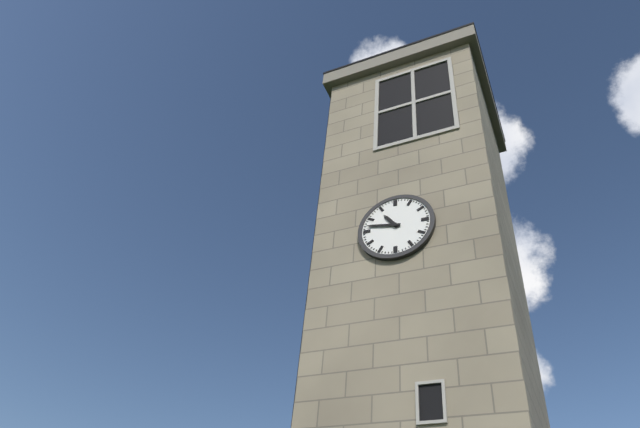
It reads 10:47
